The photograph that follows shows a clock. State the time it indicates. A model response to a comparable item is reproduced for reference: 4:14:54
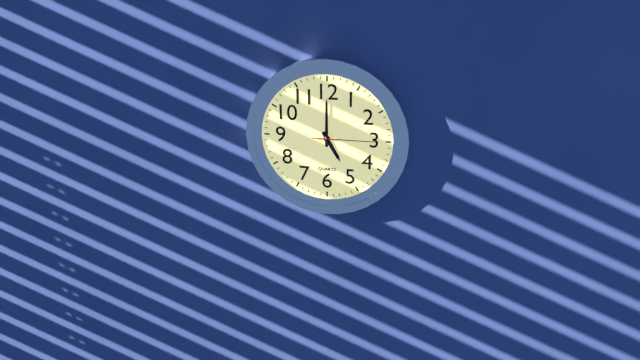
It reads 5:00:15
